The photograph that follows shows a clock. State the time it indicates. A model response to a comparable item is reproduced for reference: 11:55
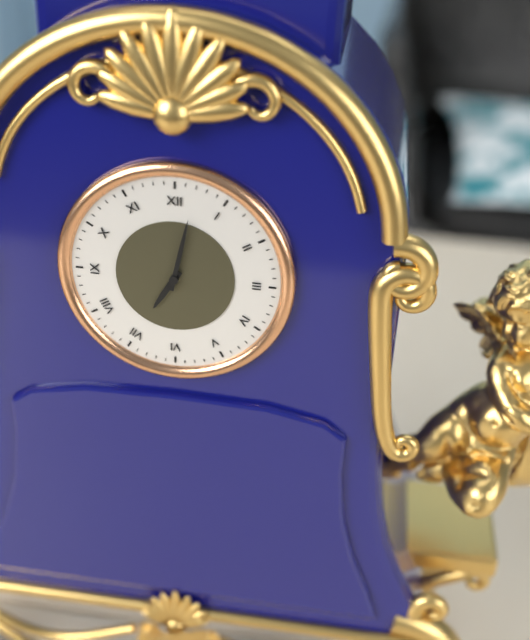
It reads 7:02
